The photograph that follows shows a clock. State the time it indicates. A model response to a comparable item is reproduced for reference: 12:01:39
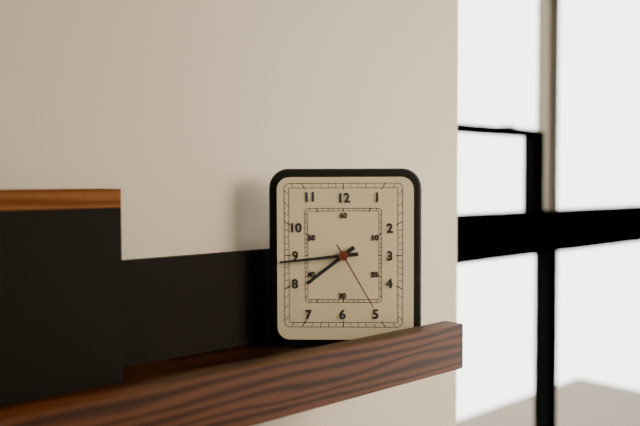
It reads 7:44:25
